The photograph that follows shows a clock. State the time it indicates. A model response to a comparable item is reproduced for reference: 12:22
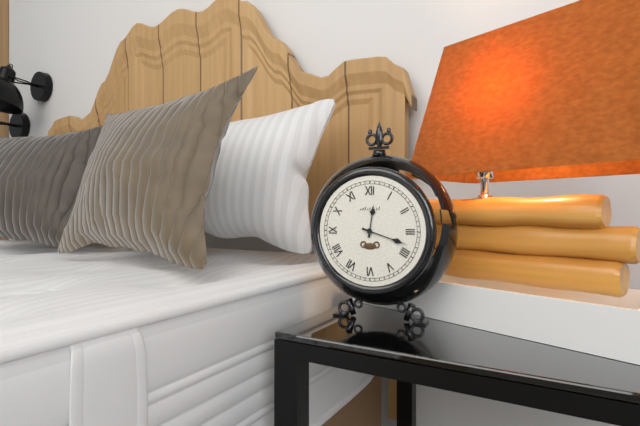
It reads 12:18
